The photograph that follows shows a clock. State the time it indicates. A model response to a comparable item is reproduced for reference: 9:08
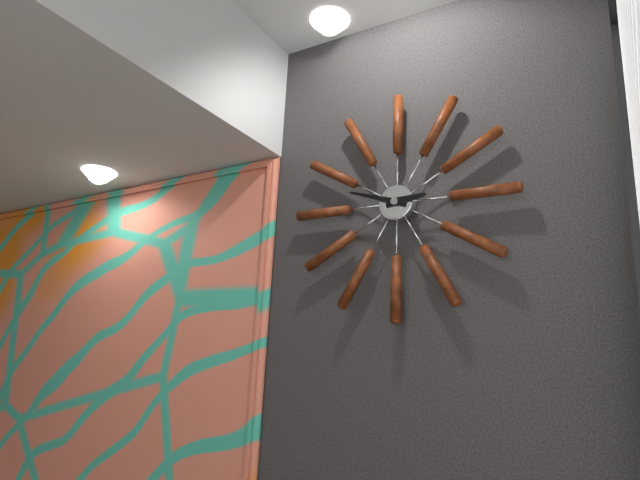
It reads 2:48
